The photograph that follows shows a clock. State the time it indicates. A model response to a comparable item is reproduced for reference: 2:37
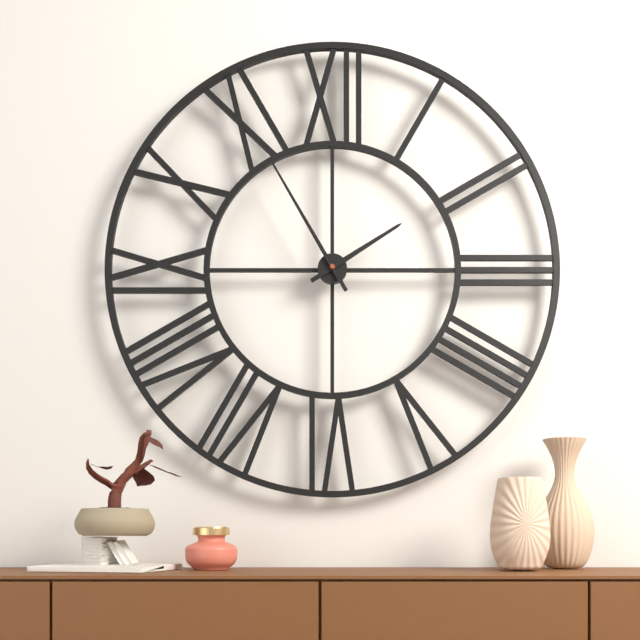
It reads 1:55
